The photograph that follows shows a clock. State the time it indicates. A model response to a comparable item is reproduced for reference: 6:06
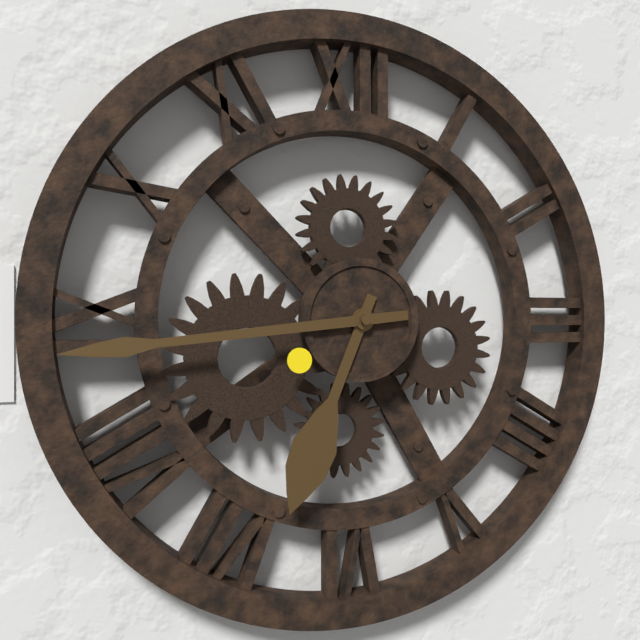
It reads 6:44
